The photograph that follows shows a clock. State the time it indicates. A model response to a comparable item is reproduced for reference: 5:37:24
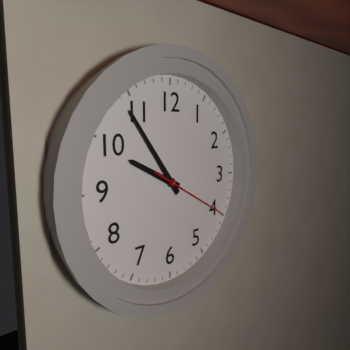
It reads 9:54:20
